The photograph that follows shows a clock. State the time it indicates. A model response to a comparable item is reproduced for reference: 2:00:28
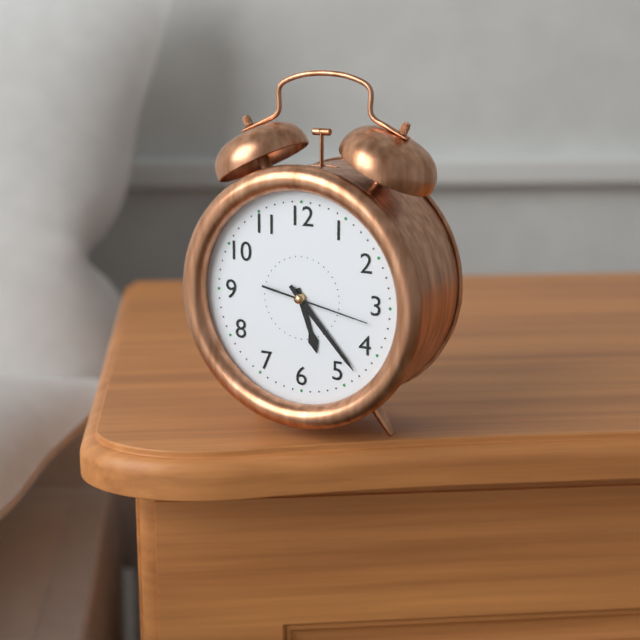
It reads 5:23:17
